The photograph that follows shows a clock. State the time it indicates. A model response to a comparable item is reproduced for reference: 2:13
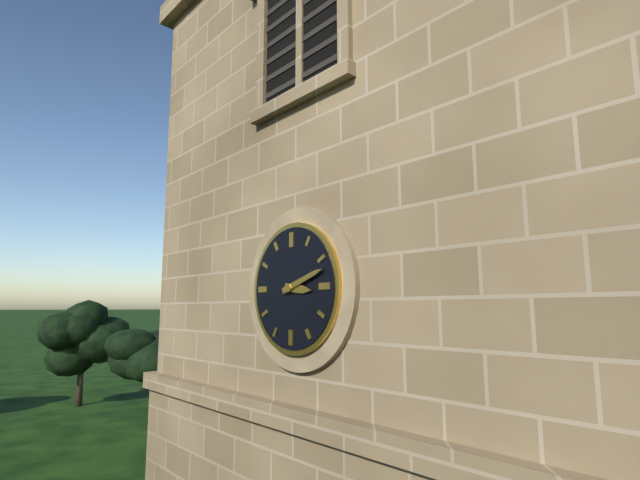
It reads 3:12
